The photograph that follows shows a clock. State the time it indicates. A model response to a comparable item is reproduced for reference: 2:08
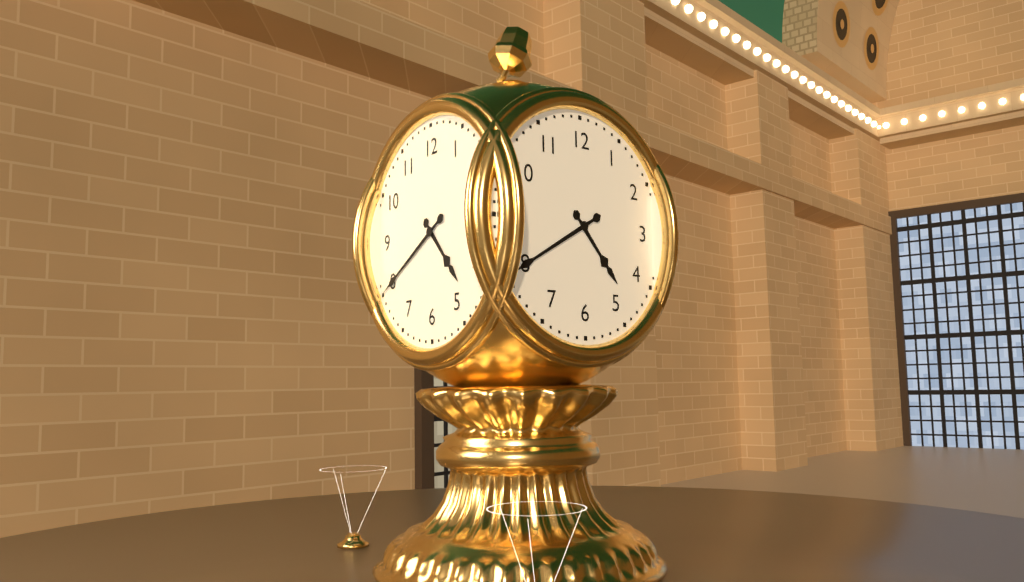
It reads 4:40
